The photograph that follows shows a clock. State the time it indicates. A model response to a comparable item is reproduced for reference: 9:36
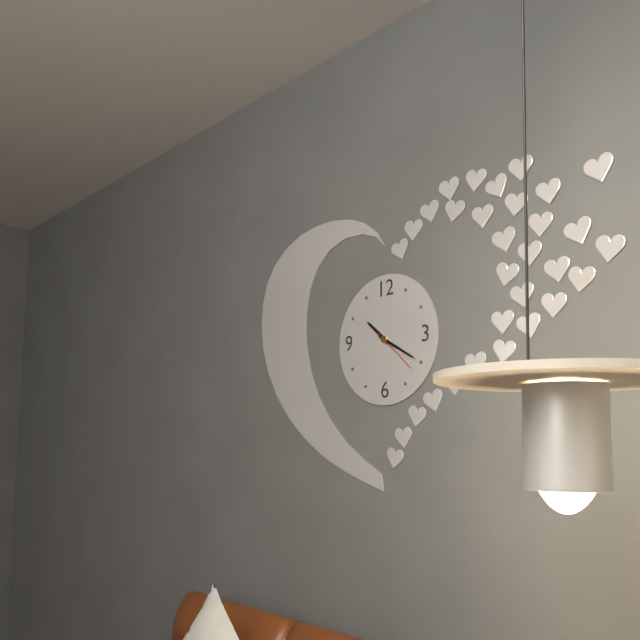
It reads 10:20
